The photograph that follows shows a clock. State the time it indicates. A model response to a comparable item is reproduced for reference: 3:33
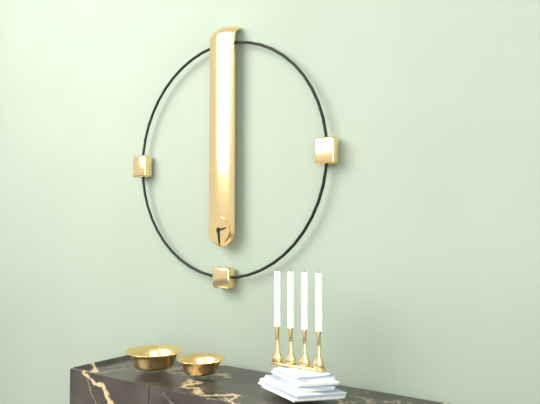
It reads 2:29
